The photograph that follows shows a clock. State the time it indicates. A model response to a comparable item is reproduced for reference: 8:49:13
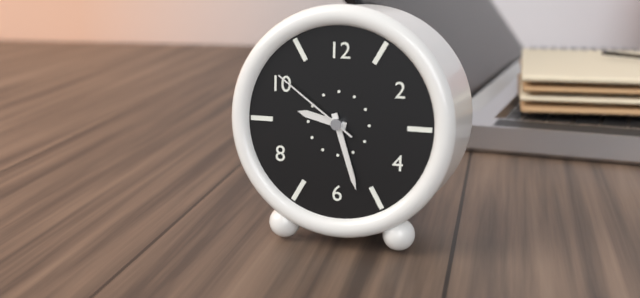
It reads 9:27:51
